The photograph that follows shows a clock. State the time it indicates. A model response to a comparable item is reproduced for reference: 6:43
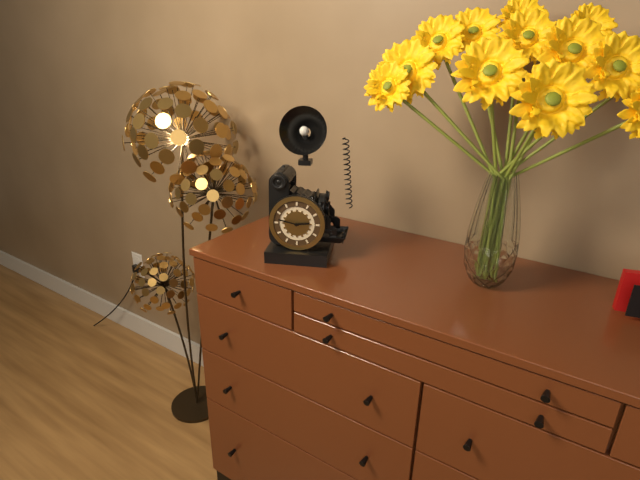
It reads 2:47
